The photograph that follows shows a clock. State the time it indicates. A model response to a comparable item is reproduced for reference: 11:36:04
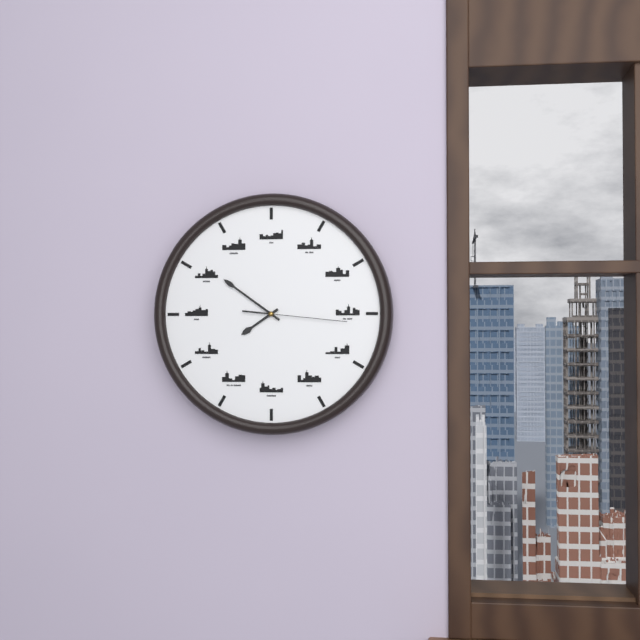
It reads 7:51:16
